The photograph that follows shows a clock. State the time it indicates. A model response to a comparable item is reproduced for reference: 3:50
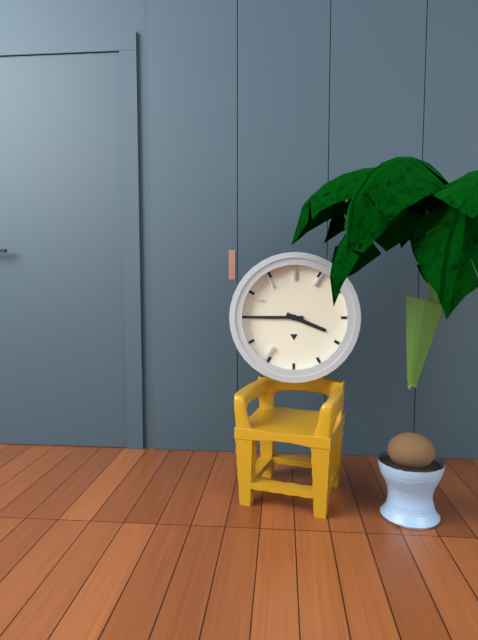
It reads 3:45
